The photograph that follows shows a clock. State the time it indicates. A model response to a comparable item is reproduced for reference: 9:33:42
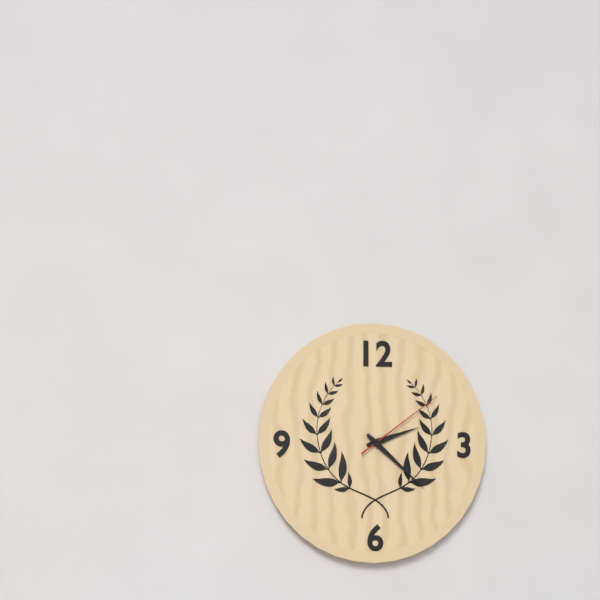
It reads 2:22:09
